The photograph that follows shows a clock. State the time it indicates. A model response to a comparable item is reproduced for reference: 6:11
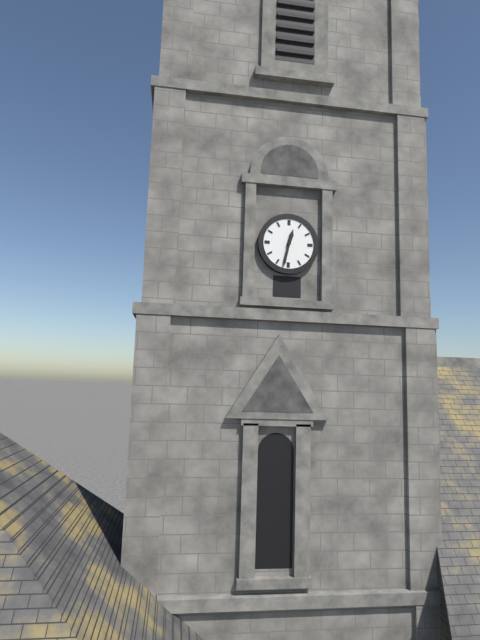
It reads 12:32
